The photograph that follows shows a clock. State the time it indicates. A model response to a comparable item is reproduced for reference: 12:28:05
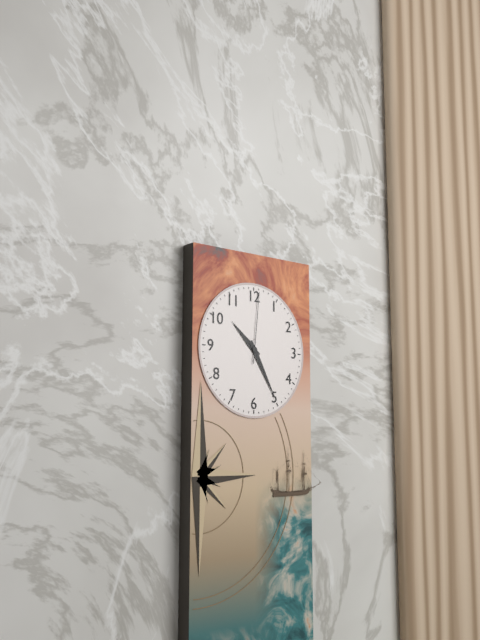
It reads 10:25:01
